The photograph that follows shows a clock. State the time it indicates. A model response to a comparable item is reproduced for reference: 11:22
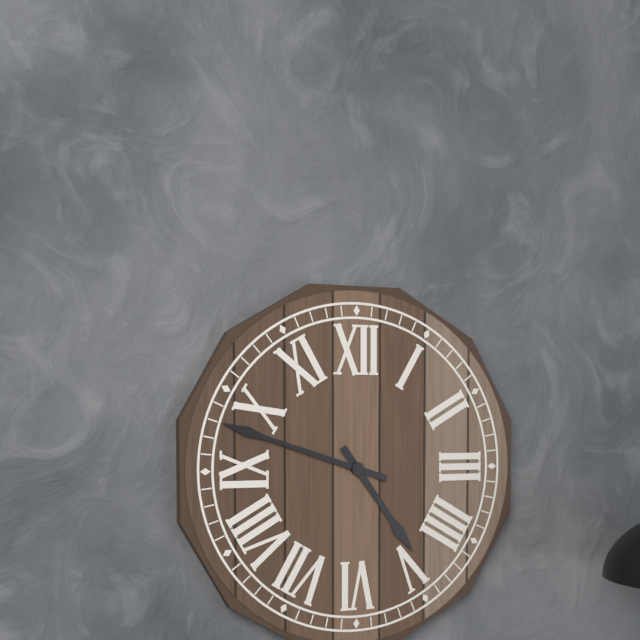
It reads 4:48
